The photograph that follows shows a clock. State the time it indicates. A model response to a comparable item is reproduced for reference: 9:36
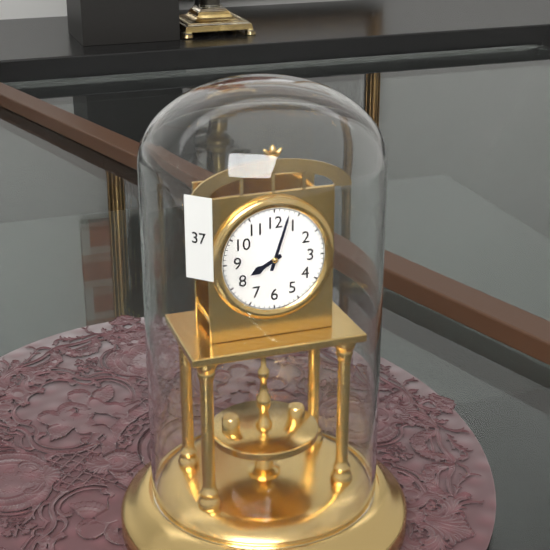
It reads 8:03
